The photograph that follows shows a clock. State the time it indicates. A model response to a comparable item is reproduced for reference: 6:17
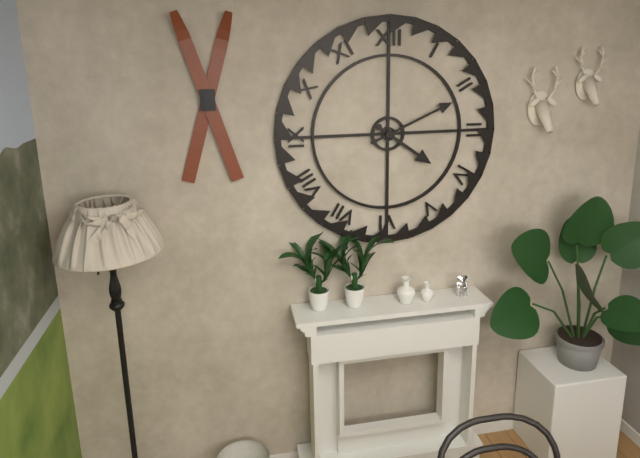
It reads 4:11
